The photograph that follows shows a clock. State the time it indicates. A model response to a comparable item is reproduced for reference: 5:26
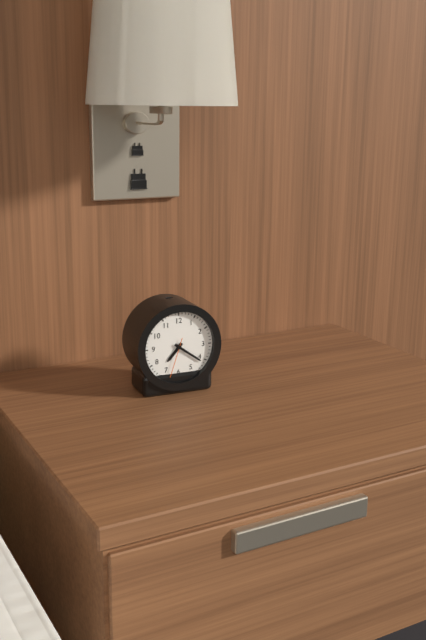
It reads 7:21
